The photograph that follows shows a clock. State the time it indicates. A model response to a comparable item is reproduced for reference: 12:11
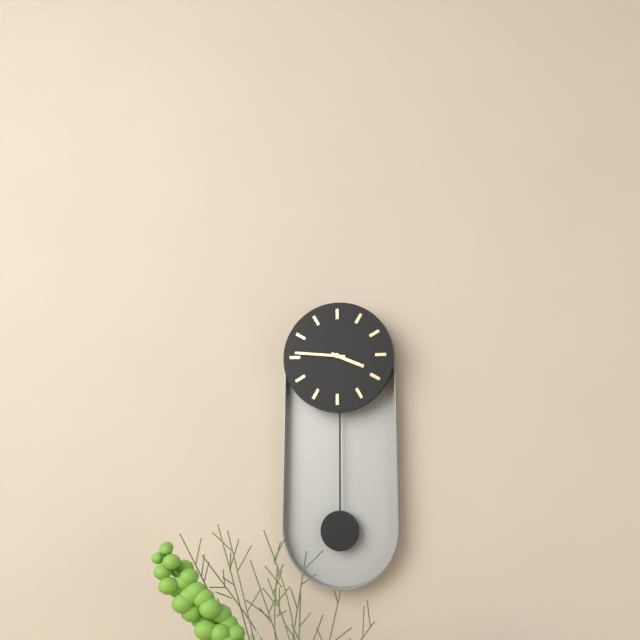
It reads 3:46
